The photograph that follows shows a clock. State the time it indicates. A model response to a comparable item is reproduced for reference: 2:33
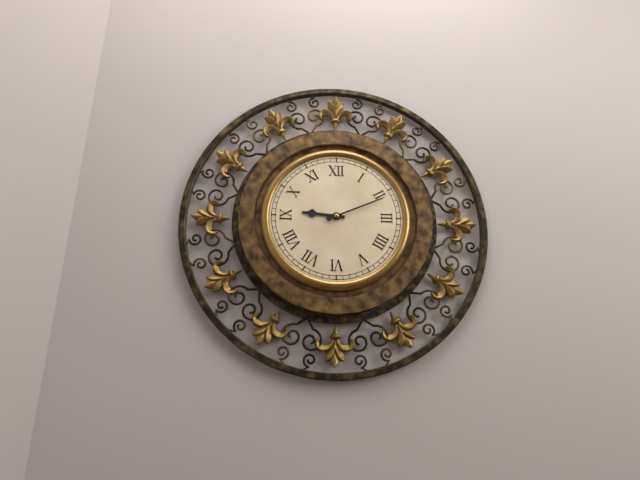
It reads 9:11
